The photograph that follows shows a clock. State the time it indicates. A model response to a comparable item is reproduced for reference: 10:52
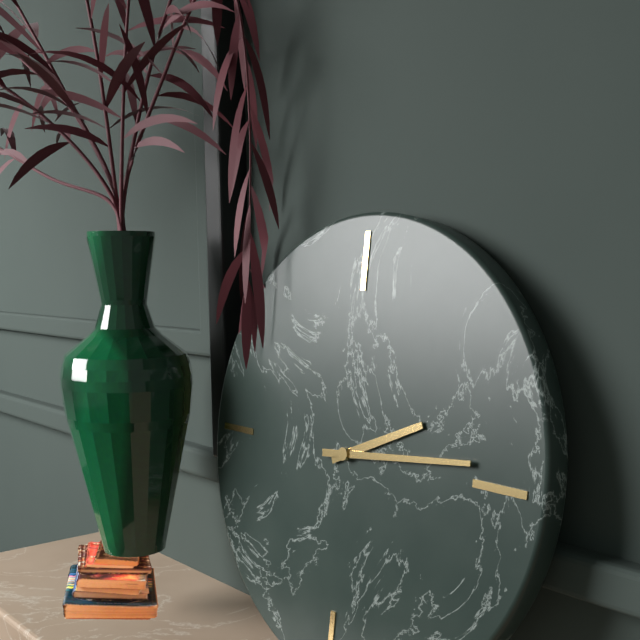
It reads 2:14
